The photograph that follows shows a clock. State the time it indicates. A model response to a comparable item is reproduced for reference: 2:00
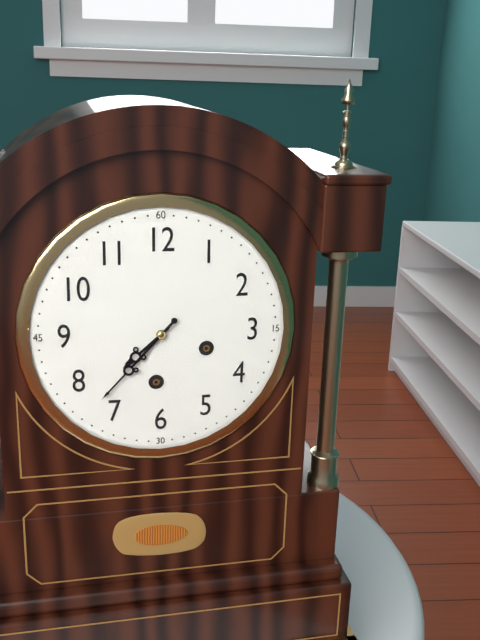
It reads 7:37
